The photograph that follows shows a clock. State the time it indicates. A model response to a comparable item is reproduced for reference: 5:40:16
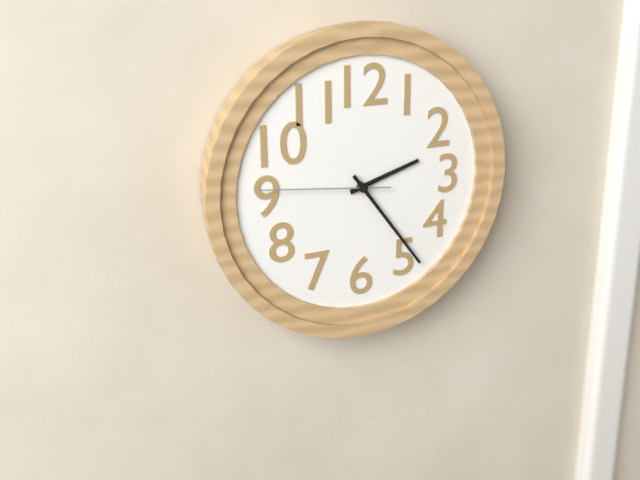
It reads 2:24:46
